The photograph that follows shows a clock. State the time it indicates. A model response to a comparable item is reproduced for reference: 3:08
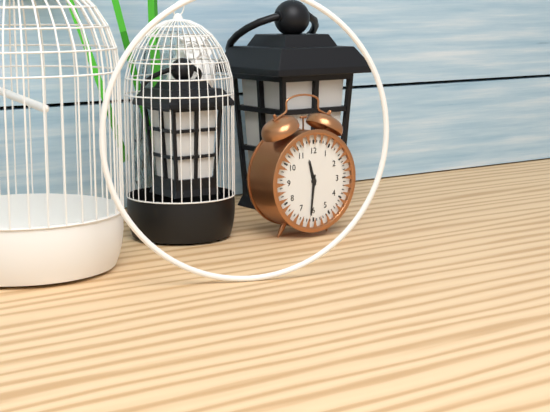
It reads 11:31
